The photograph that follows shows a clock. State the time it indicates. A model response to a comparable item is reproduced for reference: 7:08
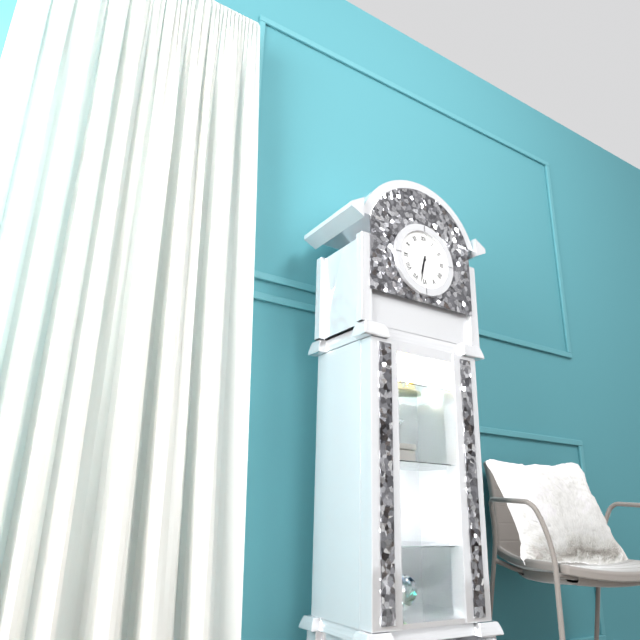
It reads 6:32
